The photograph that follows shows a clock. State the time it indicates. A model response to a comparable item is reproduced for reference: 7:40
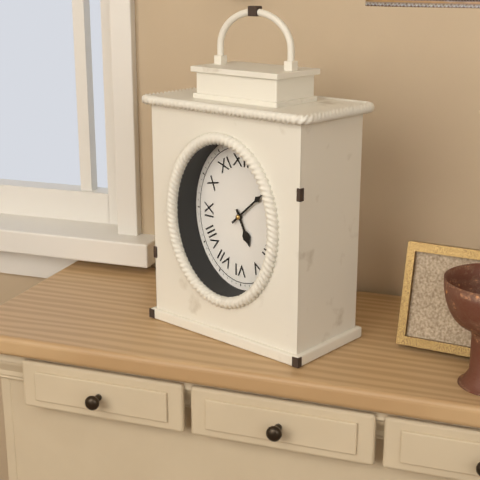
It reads 5:08
